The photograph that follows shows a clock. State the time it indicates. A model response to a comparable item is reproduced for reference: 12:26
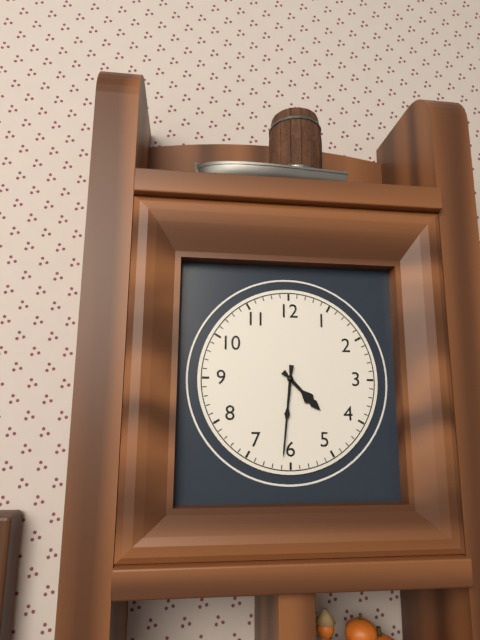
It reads 4:31
